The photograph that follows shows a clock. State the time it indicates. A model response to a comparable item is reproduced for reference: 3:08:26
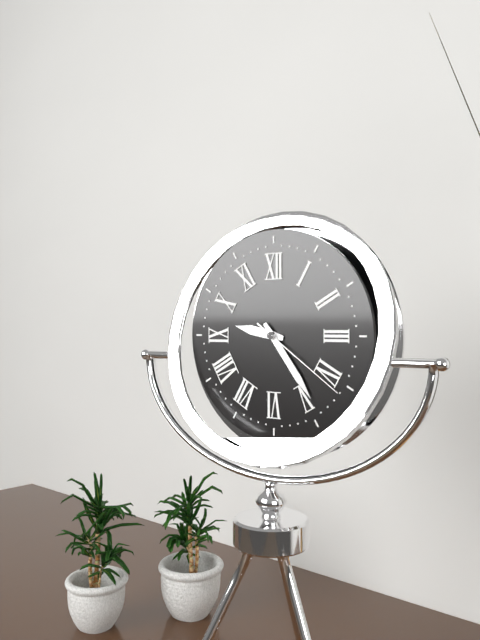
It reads 9:24:21
